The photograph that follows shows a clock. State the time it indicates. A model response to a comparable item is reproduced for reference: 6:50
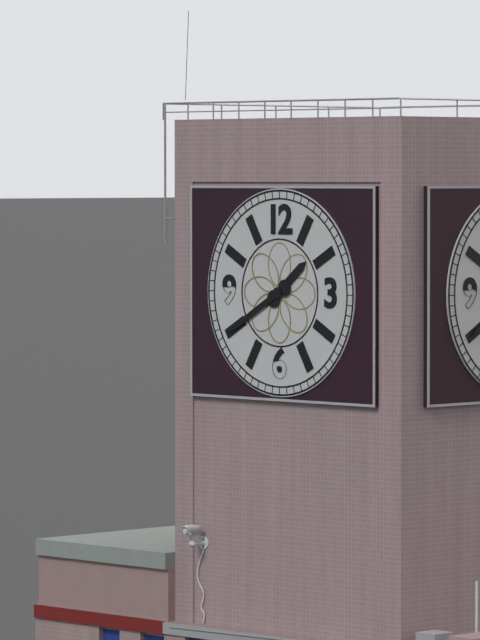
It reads 1:40
